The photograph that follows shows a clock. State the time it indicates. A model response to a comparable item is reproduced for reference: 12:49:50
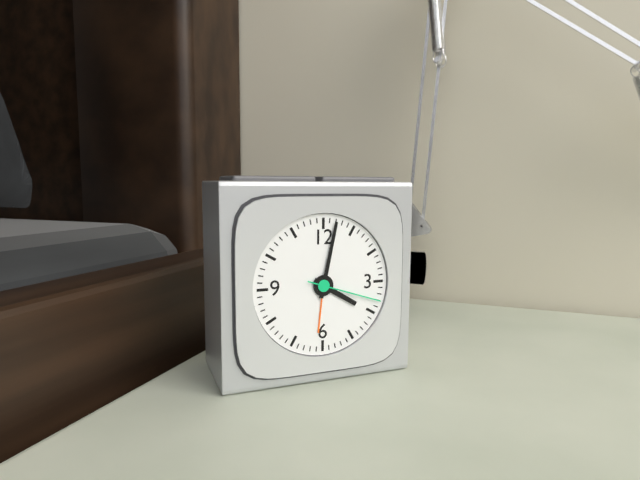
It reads 4:02:18
